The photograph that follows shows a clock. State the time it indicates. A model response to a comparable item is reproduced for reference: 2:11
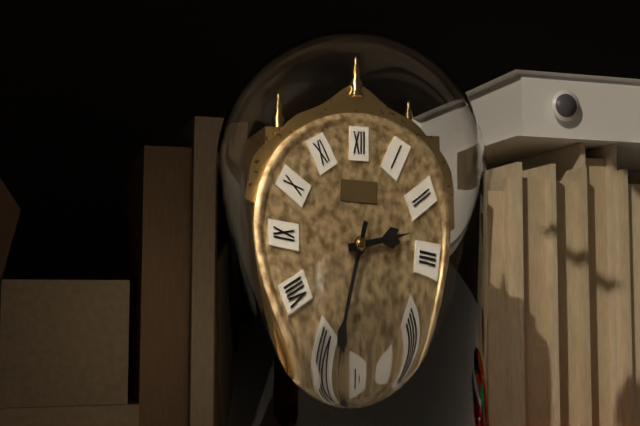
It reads 2:33
